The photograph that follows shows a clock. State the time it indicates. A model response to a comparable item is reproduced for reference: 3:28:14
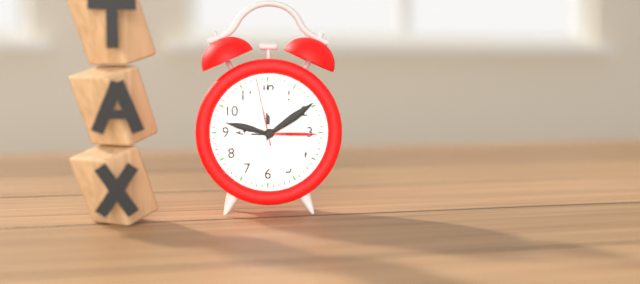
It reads 9:00:58
